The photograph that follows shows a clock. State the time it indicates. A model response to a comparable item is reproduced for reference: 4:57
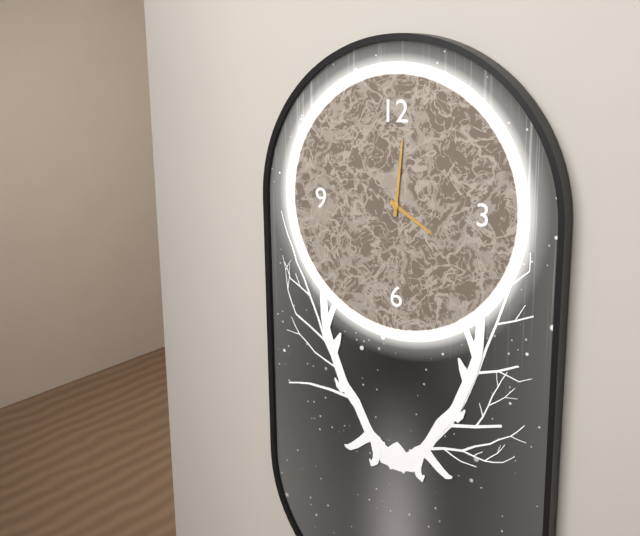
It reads 4:01
